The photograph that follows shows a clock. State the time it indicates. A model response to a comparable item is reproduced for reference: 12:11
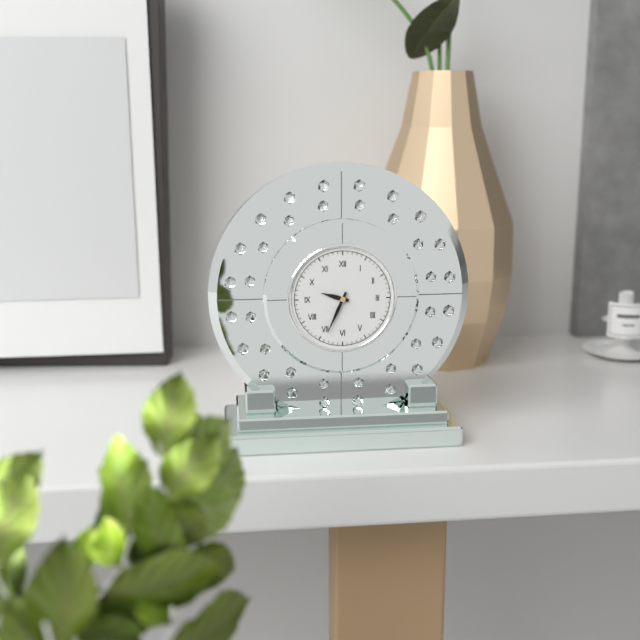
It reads 9:34
